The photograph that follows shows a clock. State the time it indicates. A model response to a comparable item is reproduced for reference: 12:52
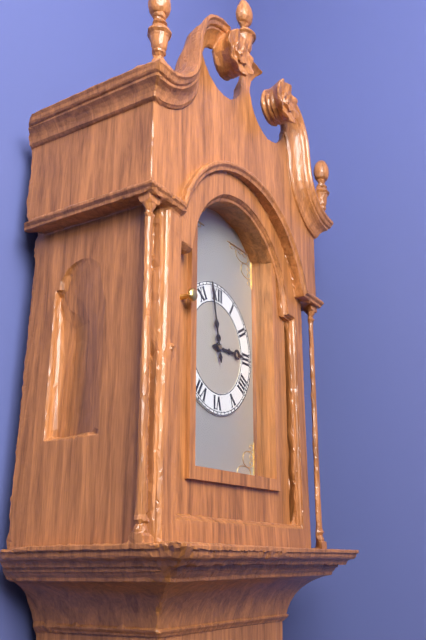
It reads 2:58
